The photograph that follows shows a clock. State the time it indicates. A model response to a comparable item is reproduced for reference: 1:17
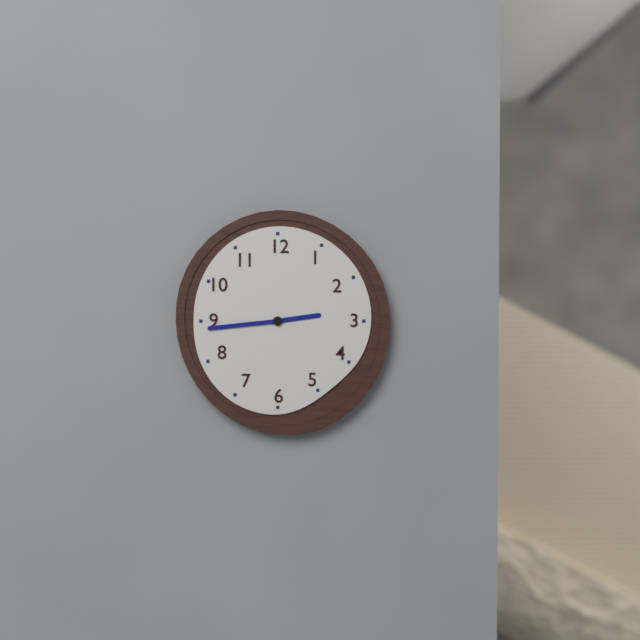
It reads 2:44
